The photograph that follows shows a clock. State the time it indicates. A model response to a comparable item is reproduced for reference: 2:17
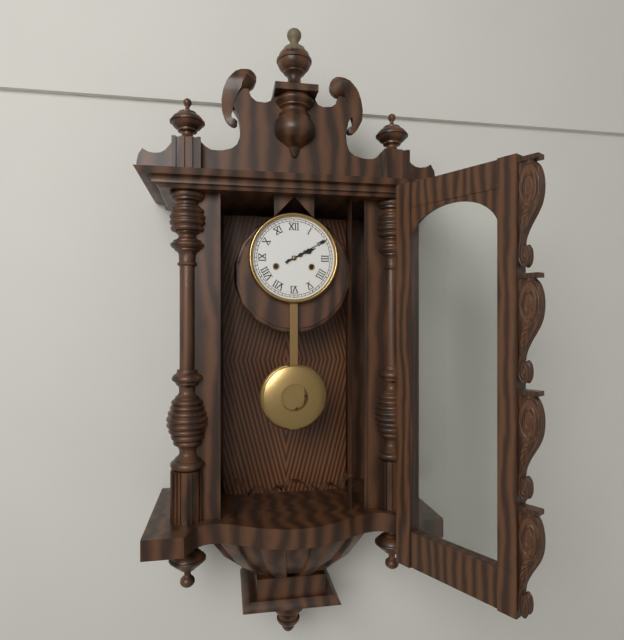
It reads 2:10
